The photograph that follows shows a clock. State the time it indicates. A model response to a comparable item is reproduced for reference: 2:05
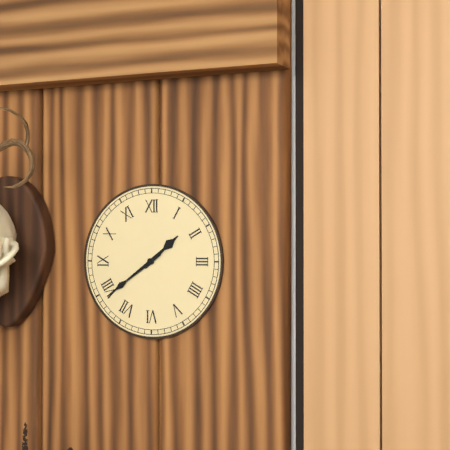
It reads 1:39
